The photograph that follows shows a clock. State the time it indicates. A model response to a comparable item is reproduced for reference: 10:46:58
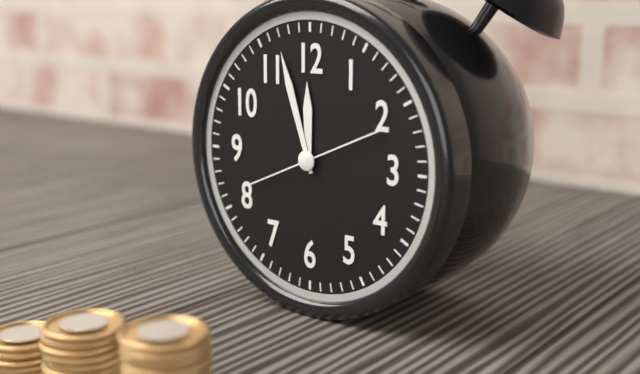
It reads 11:57:11
